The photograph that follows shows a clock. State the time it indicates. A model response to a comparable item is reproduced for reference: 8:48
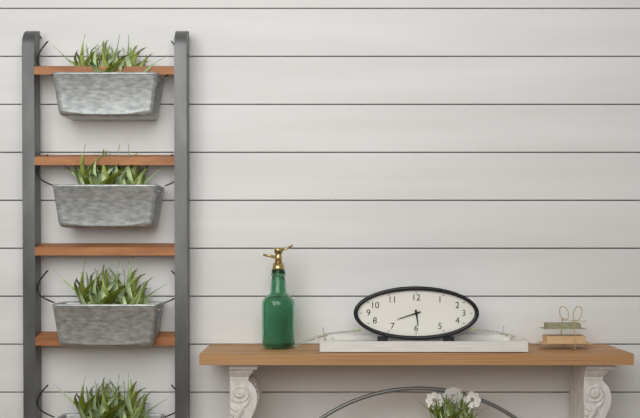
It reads 5:42
